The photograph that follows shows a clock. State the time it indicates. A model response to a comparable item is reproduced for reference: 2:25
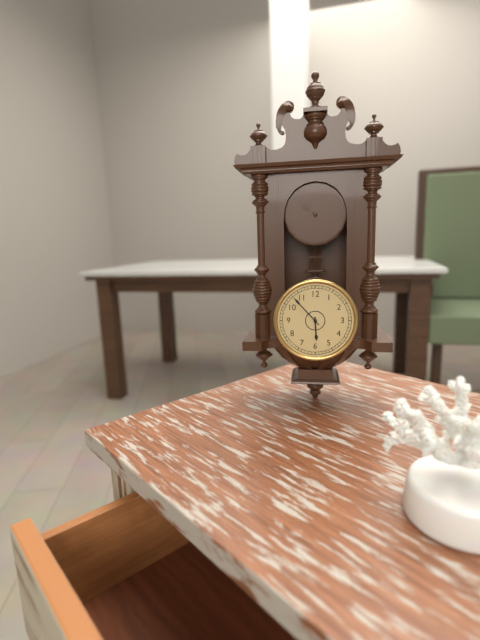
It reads 5:53
